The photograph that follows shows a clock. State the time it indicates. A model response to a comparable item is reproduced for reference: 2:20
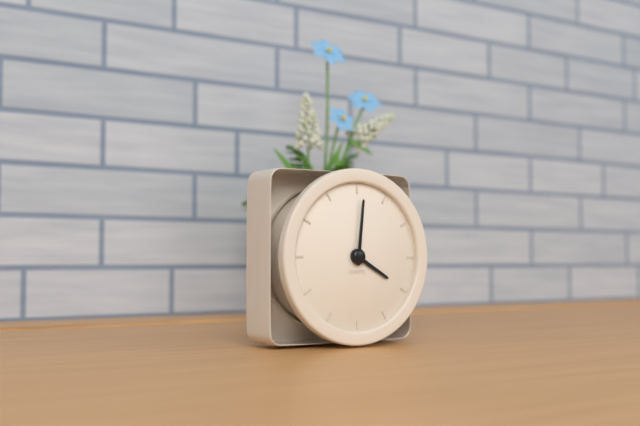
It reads 4:01
